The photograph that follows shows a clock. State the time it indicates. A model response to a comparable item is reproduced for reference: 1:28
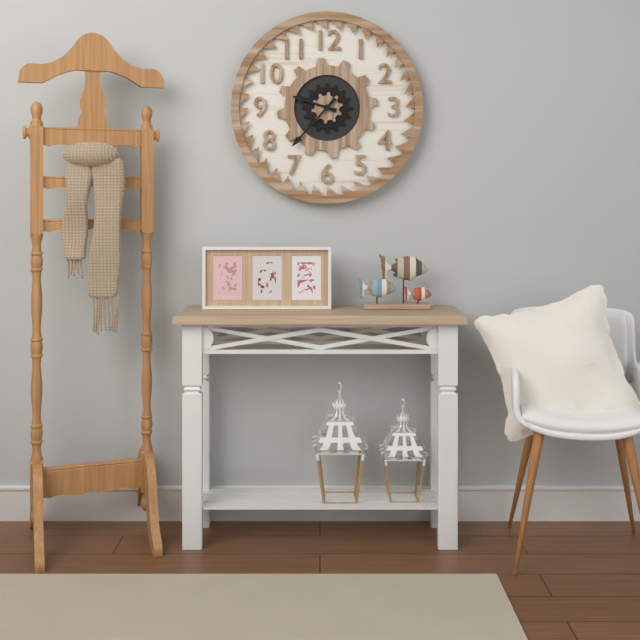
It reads 9:37
